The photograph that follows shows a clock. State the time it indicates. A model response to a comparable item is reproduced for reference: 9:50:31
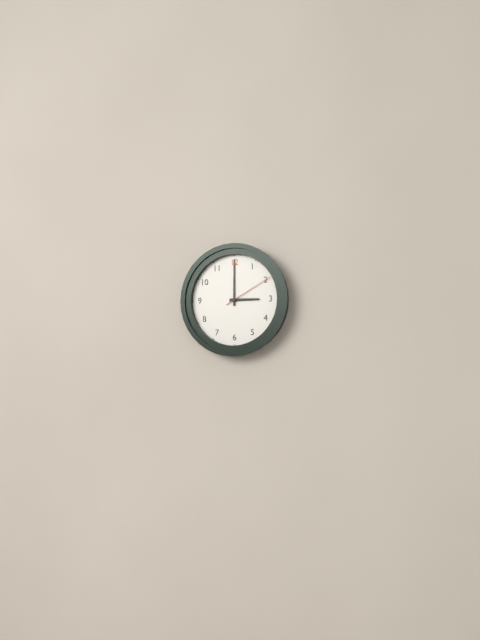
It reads 3:00:10
